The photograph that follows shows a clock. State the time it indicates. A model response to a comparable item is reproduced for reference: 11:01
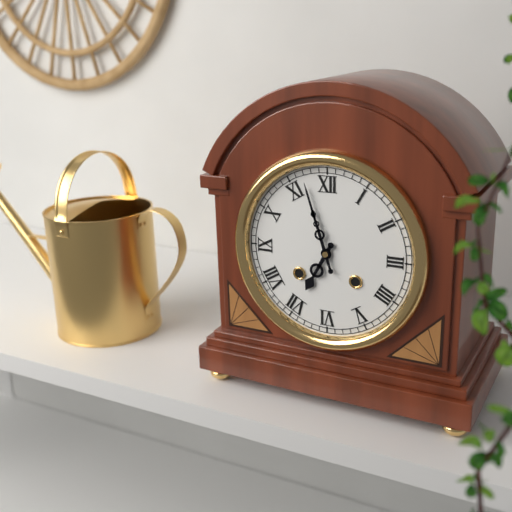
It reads 6:57
